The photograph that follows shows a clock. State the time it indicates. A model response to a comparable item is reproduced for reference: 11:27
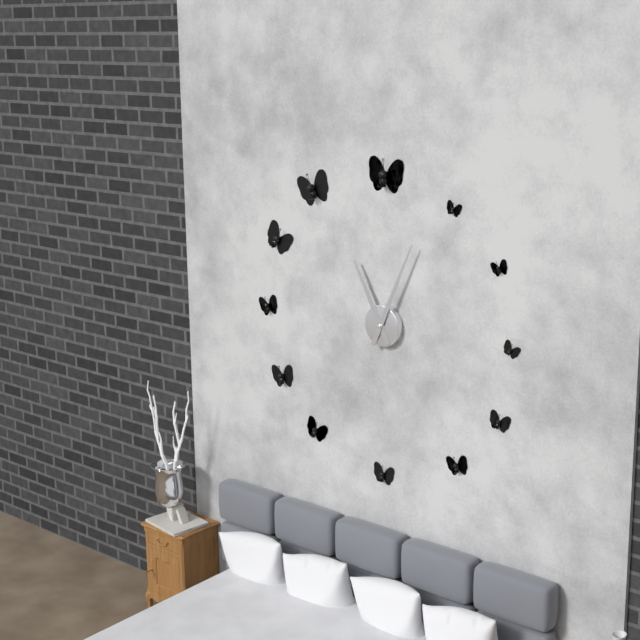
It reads 11:04
